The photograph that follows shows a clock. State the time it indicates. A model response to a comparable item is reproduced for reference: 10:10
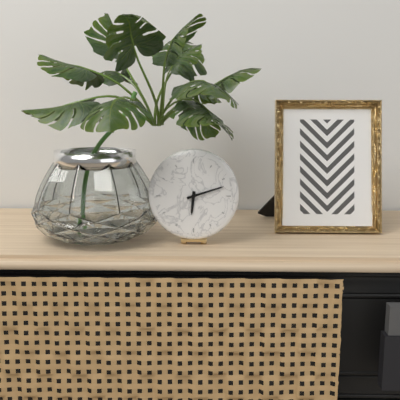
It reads 6:12
